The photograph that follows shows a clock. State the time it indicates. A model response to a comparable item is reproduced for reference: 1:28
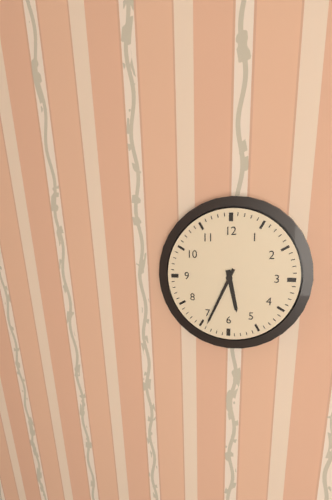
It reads 5:34
